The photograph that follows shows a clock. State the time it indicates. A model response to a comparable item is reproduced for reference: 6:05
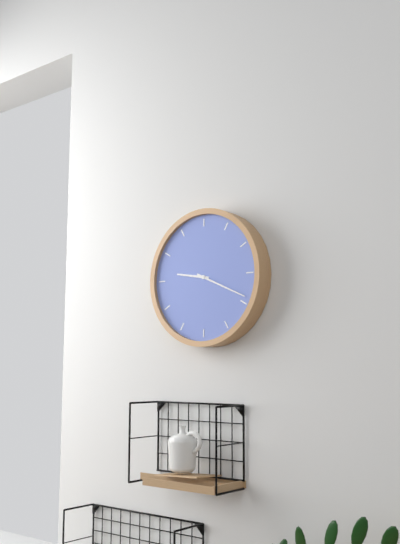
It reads 9:19
